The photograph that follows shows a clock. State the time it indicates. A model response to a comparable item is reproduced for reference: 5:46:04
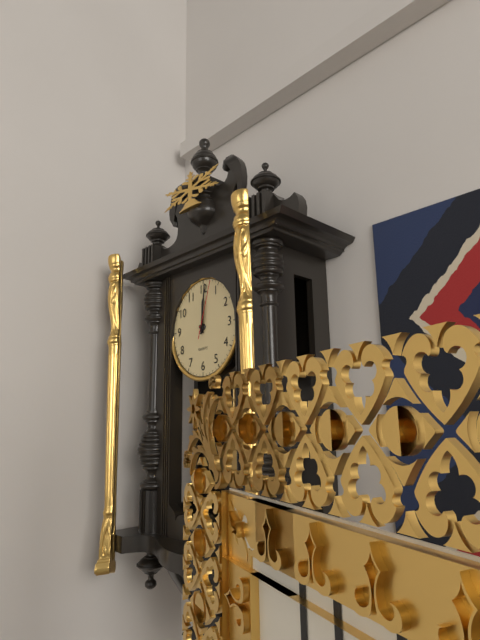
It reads 12:01:03
